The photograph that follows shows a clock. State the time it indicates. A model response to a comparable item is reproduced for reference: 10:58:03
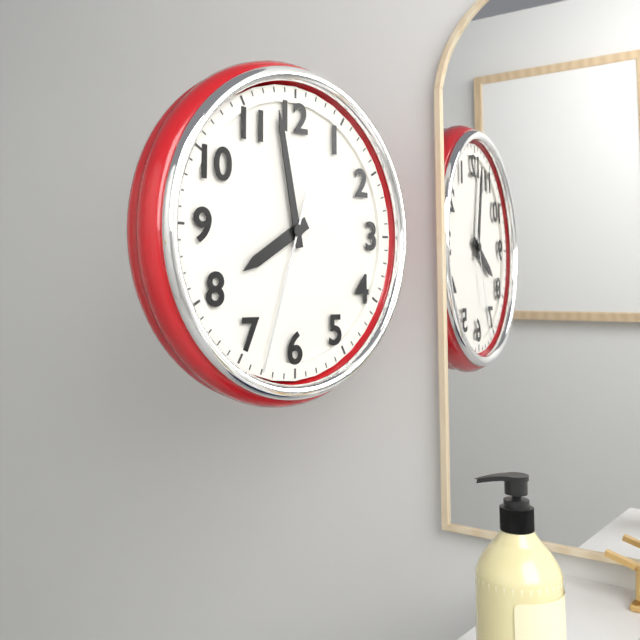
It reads 7:58:33
